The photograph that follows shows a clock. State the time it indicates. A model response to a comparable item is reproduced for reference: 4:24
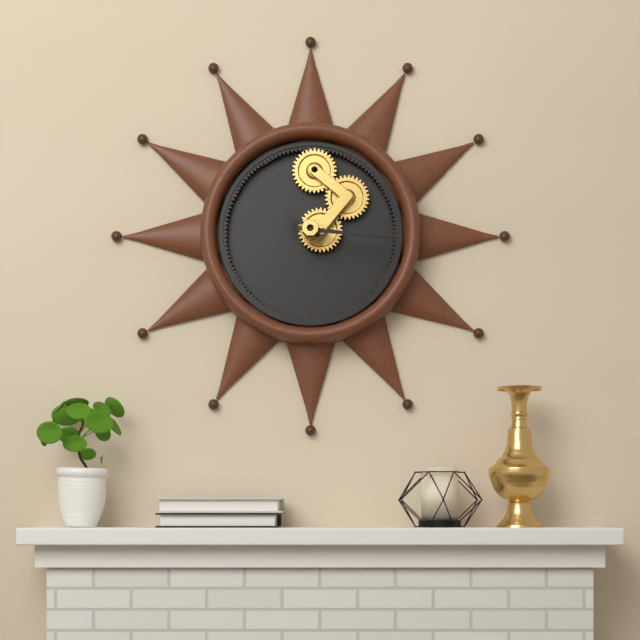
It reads 10:16
